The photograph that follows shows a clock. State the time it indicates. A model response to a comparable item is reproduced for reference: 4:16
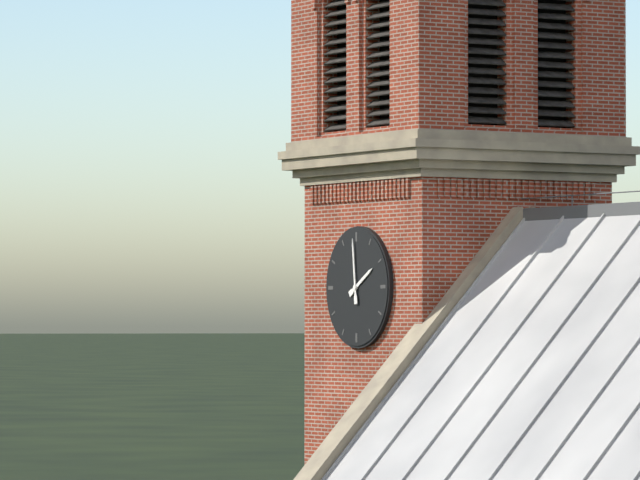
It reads 1:59
